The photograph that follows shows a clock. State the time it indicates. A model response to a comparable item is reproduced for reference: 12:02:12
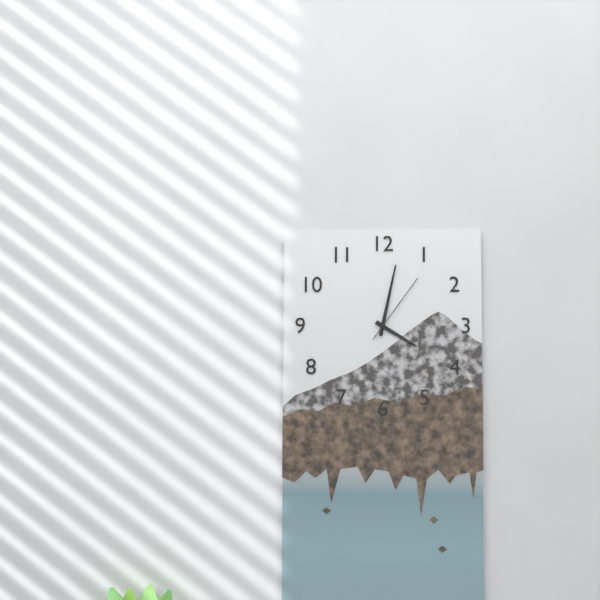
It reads 4:02:06
